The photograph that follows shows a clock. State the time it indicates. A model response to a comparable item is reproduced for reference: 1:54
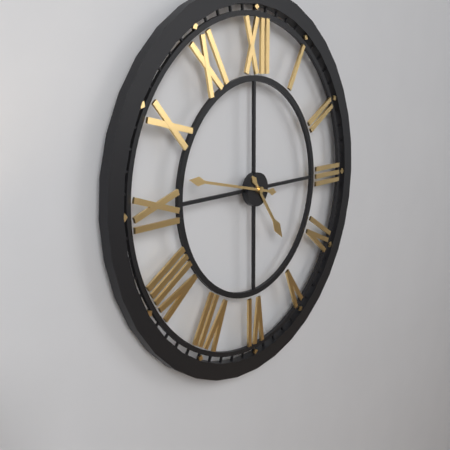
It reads 4:47
